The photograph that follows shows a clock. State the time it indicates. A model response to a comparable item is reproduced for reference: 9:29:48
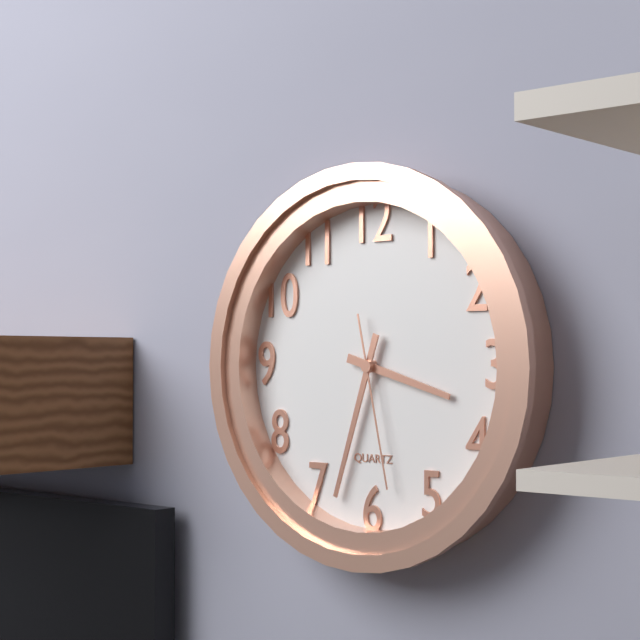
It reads 3:33:28
